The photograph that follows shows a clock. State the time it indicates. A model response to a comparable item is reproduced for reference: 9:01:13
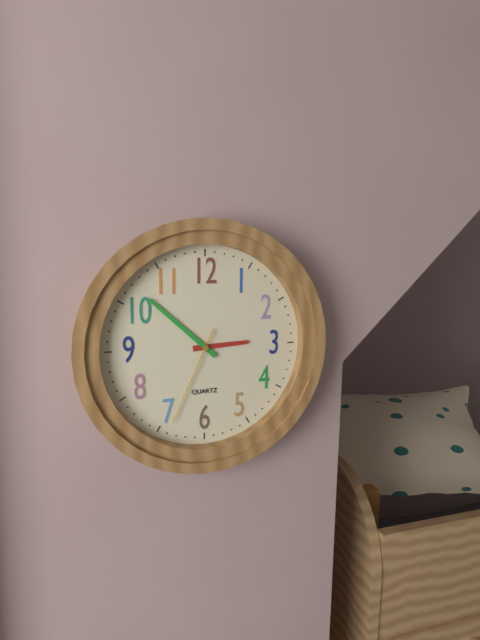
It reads 2:52:34
